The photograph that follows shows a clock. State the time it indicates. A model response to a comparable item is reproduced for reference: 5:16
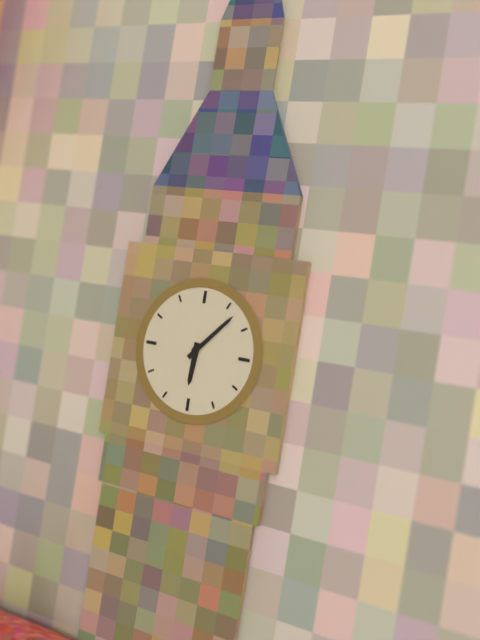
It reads 6:07
